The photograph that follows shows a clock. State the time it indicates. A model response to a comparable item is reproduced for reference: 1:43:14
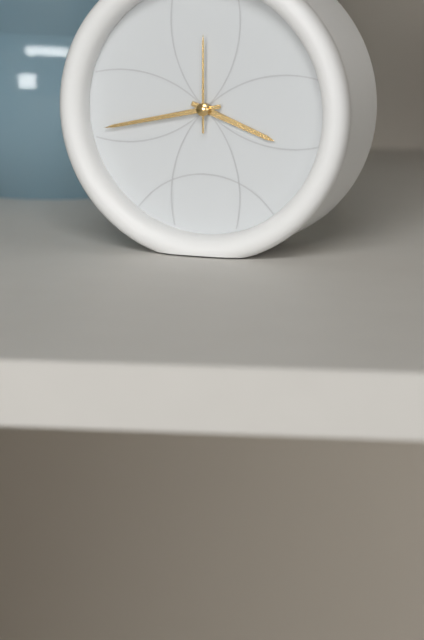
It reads 3:43:00
